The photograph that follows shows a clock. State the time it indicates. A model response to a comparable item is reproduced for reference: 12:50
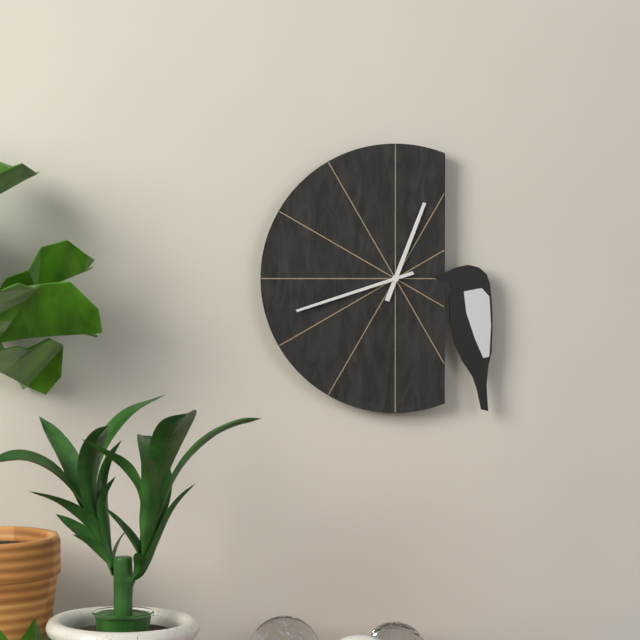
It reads 12:42
